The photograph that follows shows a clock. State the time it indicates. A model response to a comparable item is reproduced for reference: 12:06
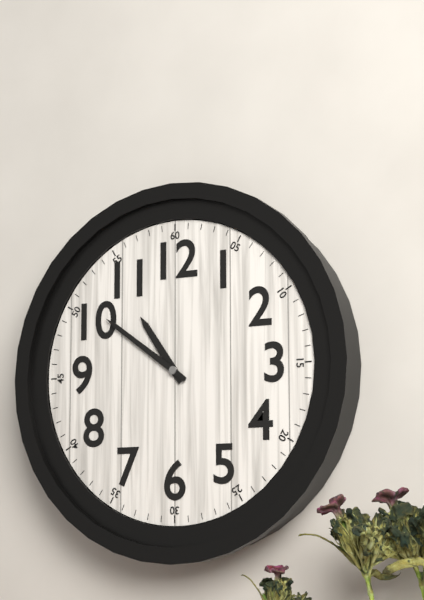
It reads 10:51
